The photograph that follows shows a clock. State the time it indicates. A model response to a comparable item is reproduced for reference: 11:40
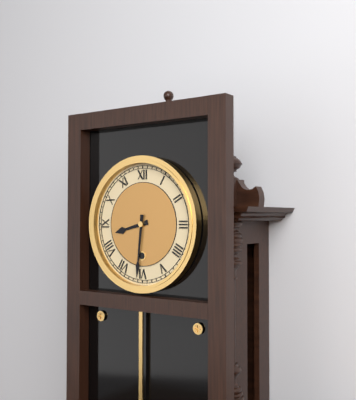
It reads 8:31
